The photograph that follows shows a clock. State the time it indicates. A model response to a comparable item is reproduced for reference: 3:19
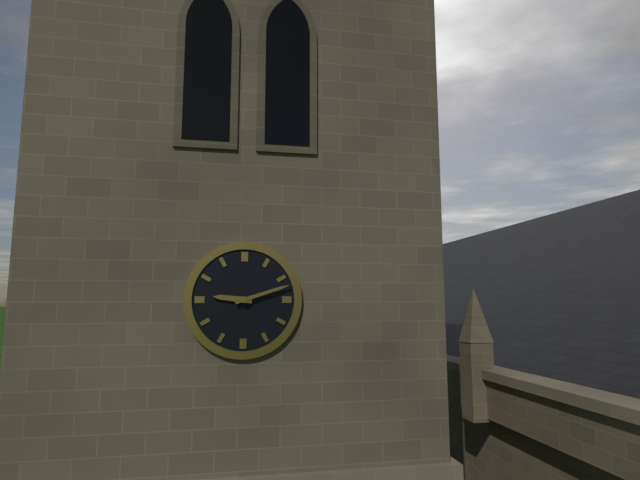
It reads 9:12
